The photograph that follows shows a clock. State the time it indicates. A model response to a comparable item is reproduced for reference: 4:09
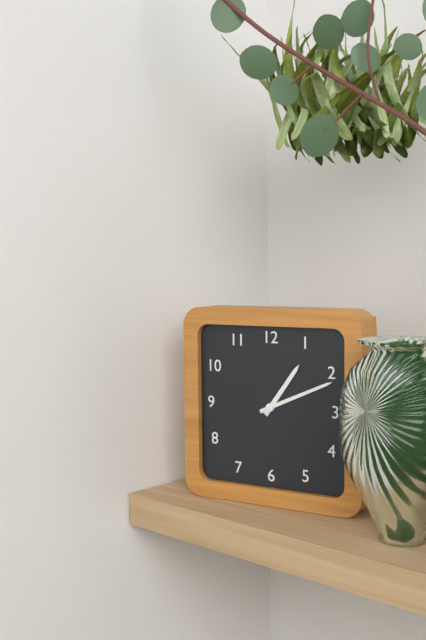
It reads 1:11
